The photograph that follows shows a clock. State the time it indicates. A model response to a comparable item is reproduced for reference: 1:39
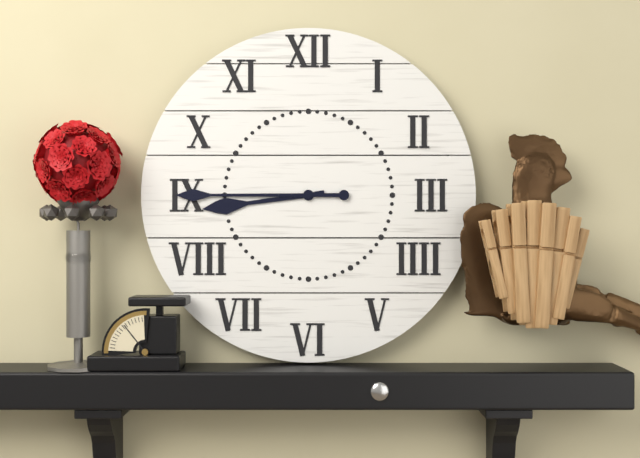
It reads 8:45
